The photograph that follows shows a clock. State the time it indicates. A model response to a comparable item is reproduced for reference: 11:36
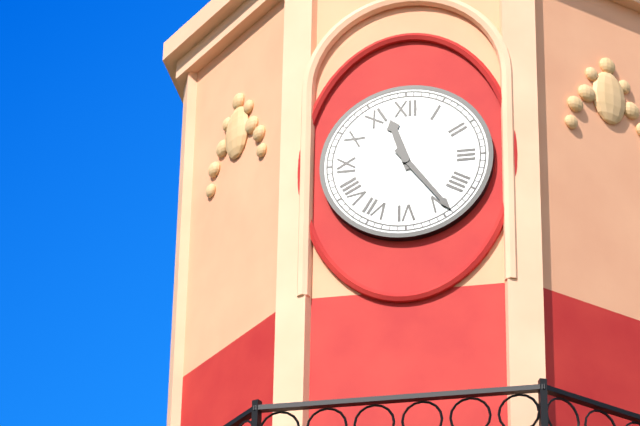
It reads 11:24
